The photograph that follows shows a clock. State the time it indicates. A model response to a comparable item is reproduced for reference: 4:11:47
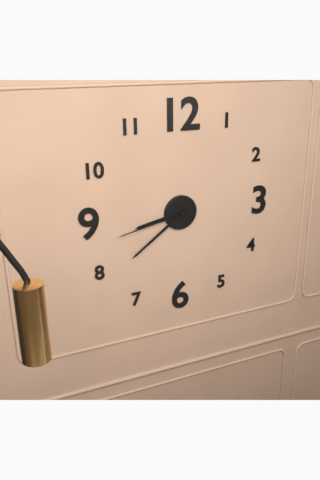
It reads 8:39:43
